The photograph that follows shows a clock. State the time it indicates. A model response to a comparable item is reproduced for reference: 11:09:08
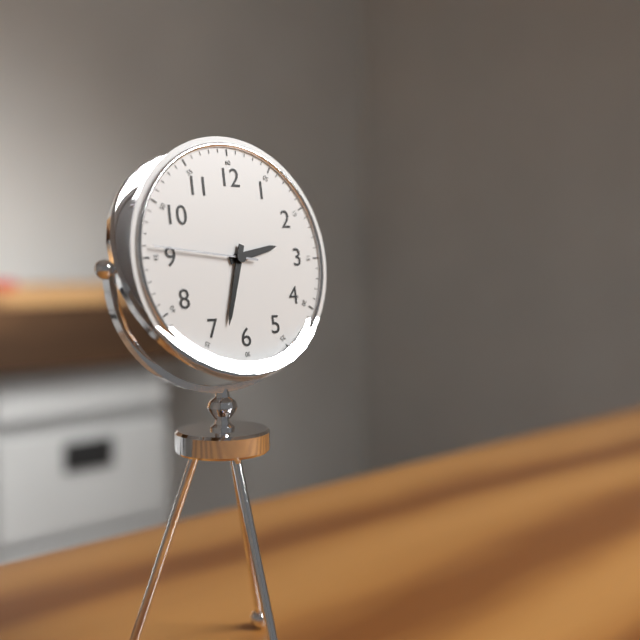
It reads 2:33:46
